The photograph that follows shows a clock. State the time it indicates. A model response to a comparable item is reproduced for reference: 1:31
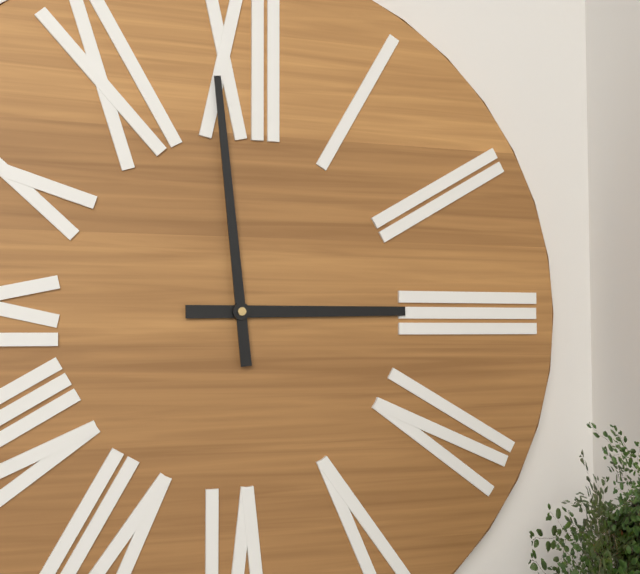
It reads 2:59
